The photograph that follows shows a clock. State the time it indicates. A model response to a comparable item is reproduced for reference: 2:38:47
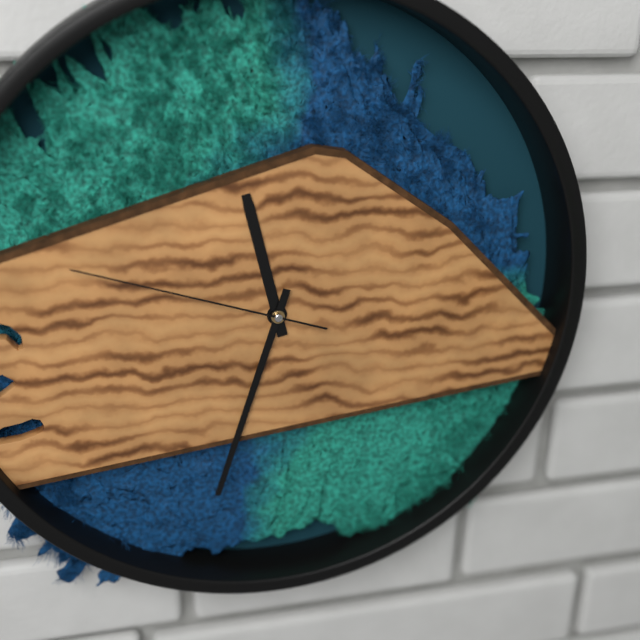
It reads 11:33:48
